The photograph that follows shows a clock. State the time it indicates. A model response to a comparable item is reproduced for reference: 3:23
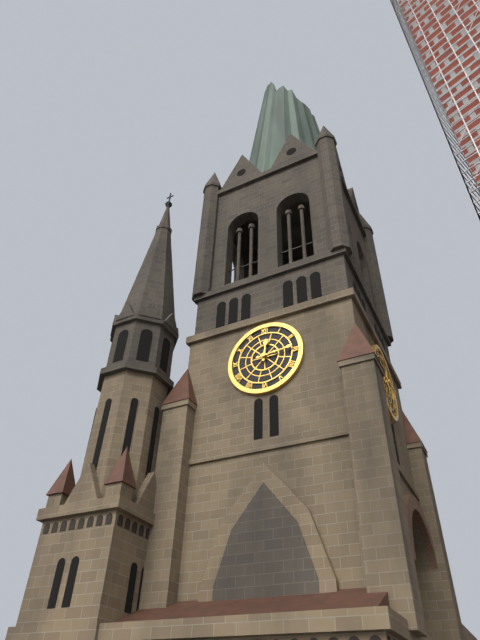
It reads 12:14
